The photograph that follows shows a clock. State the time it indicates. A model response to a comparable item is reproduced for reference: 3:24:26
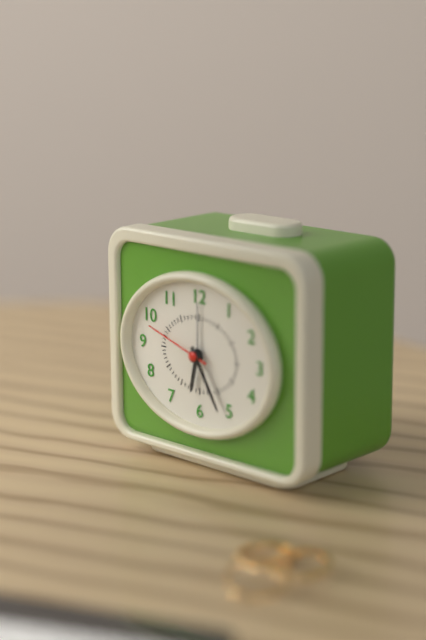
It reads 6:25:48
